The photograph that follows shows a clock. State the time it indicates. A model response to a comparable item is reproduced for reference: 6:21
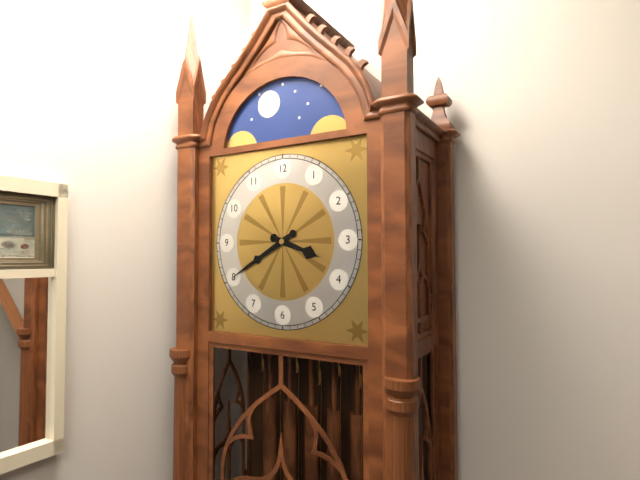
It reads 3:40
